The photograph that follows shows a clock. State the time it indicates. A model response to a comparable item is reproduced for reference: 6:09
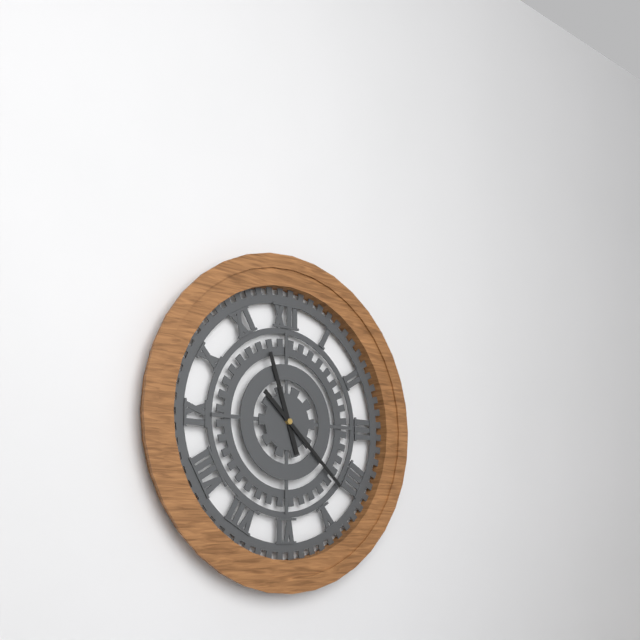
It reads 11:22
